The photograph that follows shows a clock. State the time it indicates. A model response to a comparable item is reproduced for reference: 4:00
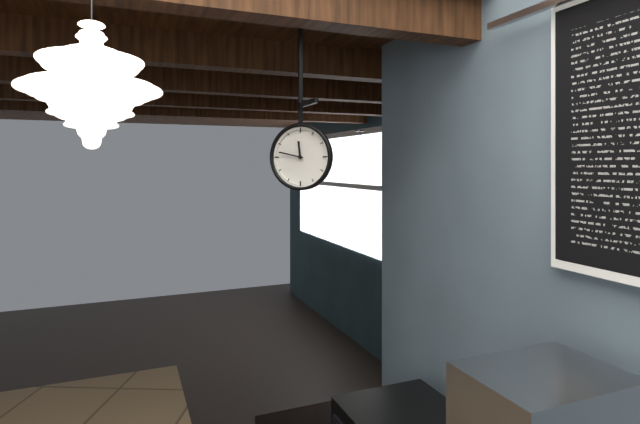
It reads 11:47
